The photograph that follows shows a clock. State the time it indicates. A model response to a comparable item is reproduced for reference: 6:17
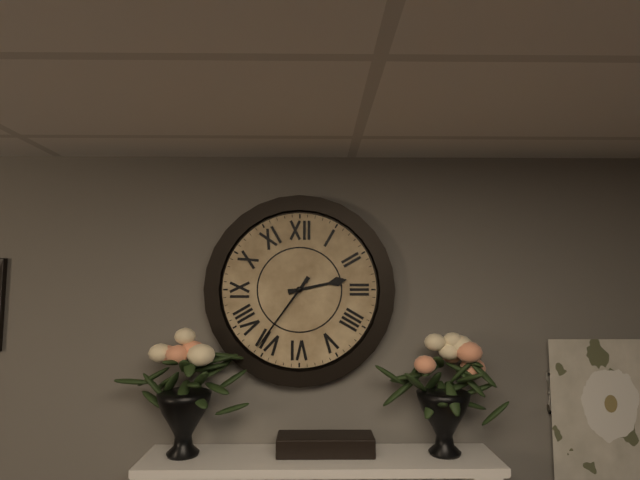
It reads 2:36
